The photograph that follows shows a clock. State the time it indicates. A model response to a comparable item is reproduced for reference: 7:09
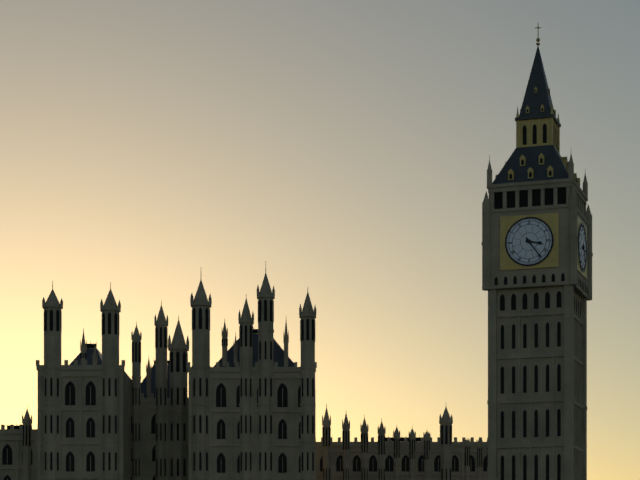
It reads 3:24
